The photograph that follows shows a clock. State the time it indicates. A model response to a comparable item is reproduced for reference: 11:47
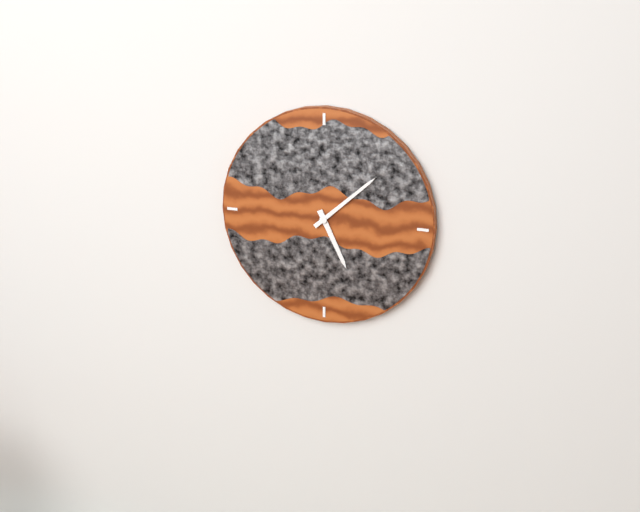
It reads 5:08
